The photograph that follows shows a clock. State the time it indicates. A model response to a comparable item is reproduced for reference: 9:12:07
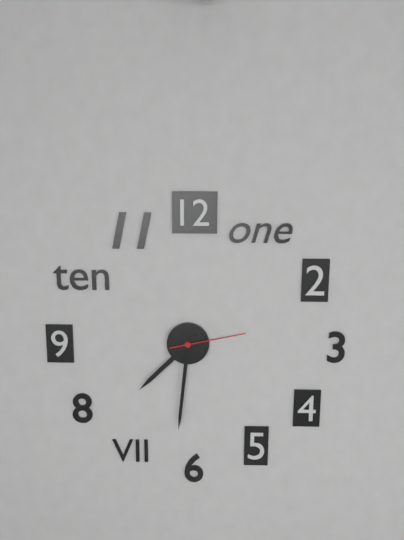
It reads 7:31:13
